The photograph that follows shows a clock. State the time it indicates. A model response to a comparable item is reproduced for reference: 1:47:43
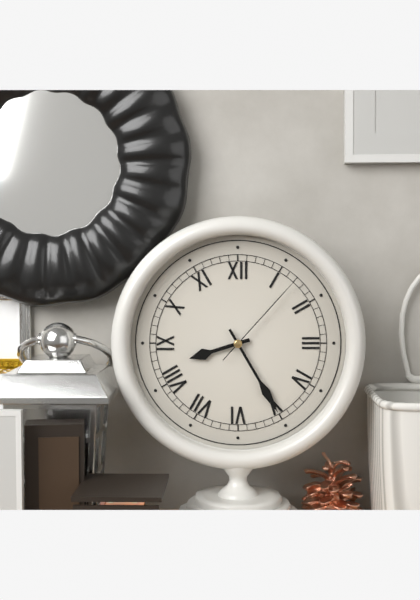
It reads 8:25:07
